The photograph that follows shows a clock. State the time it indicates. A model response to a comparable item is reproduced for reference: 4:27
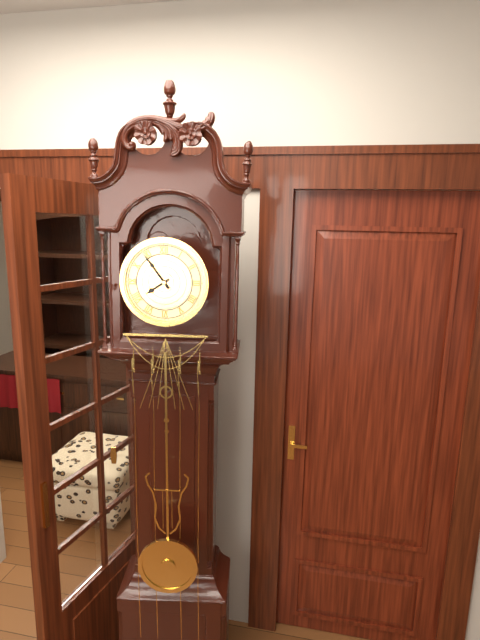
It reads 7:54
